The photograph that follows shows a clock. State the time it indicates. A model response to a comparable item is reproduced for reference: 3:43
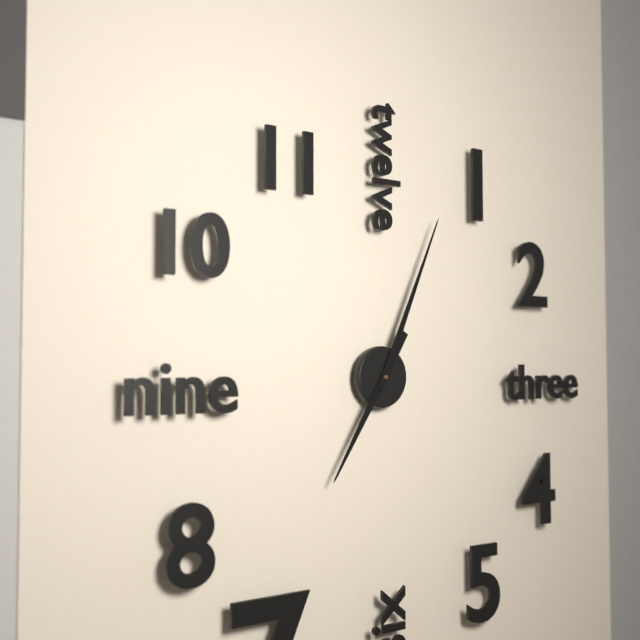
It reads 7:04
